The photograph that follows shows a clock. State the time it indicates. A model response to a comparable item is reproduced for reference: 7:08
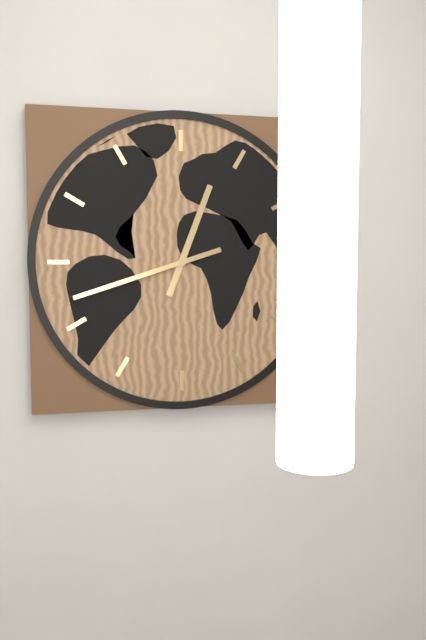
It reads 12:42
